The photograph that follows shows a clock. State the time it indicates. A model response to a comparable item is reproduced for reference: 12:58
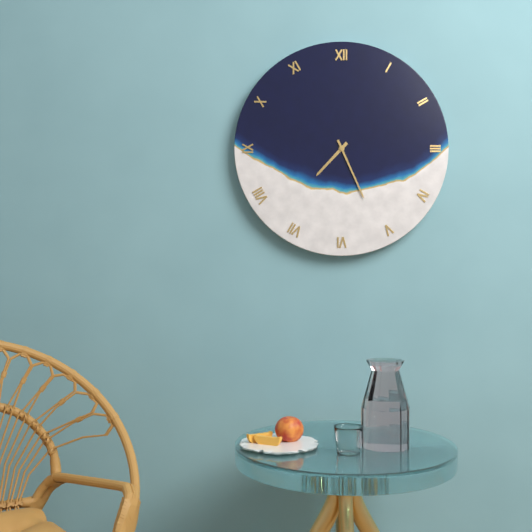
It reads 7:26
